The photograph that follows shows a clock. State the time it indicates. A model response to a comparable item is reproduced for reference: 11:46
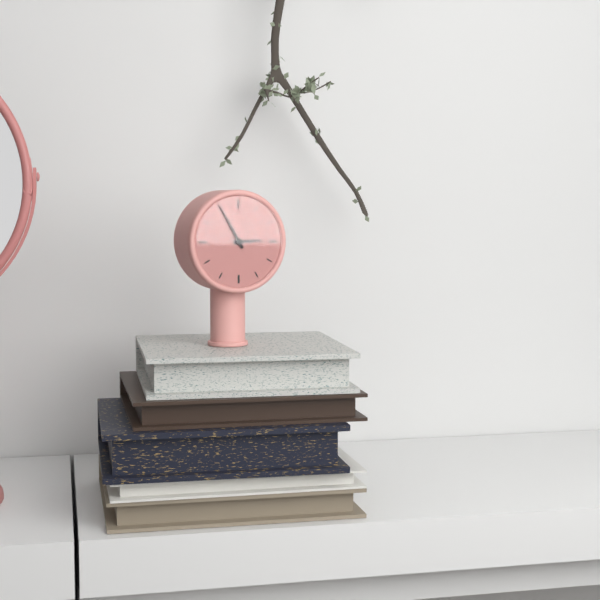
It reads 2:55
